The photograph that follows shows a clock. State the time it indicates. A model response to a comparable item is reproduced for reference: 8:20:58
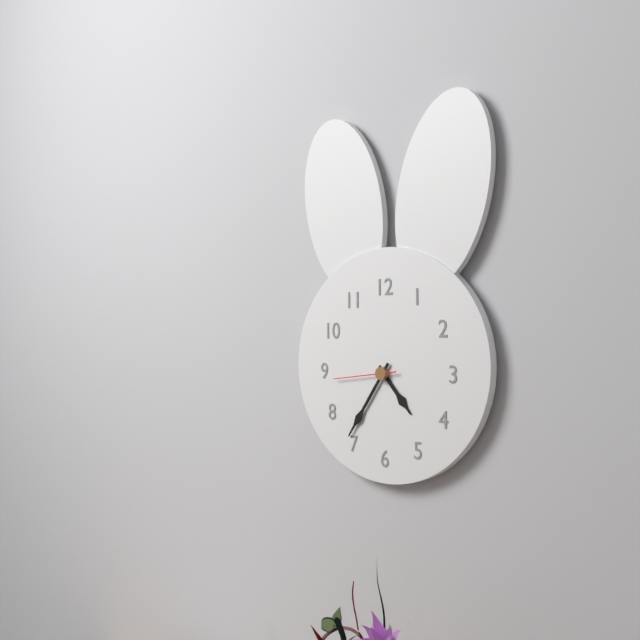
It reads 4:36:44
